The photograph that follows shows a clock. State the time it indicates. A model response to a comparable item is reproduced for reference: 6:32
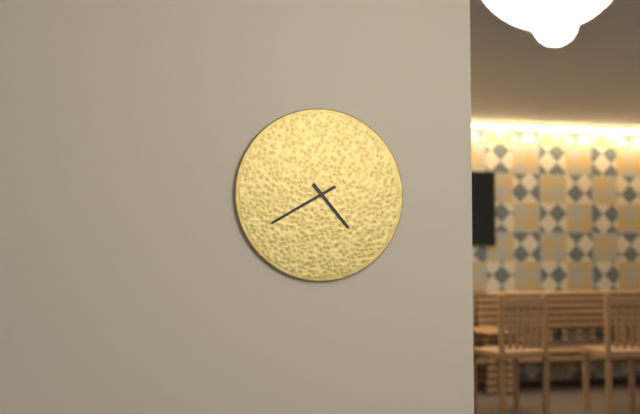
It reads 4:40
